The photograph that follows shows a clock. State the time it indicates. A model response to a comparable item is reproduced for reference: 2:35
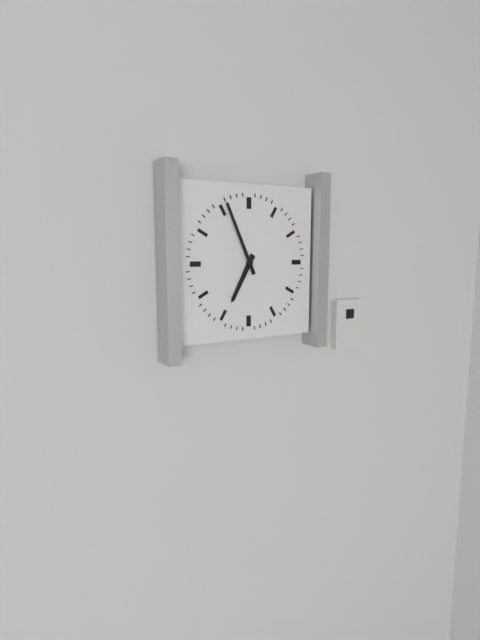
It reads 6:56
